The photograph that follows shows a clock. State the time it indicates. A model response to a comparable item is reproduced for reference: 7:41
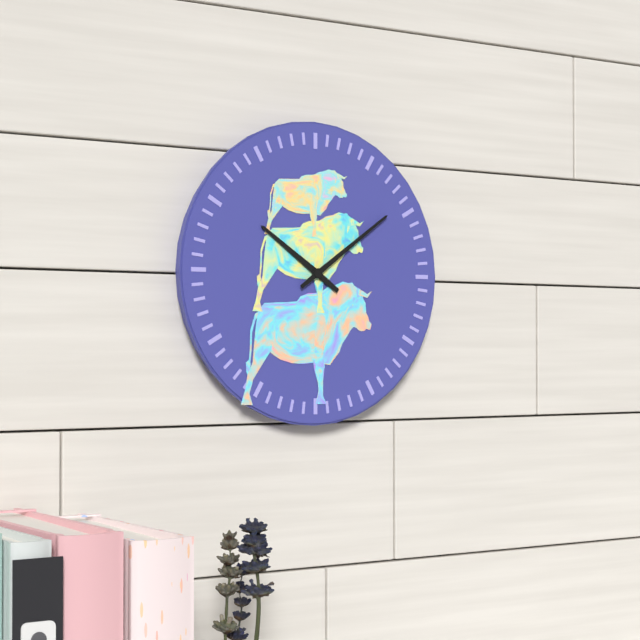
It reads 10:09
